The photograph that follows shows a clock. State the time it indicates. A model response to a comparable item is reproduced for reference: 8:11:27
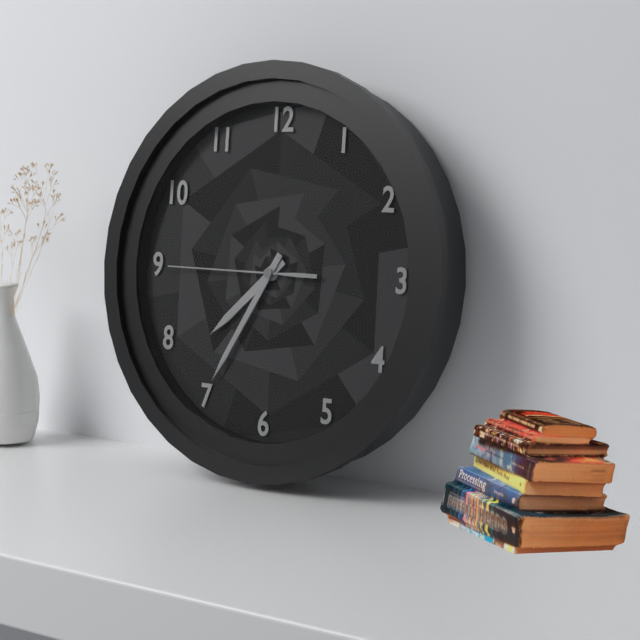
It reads 7:35:45
